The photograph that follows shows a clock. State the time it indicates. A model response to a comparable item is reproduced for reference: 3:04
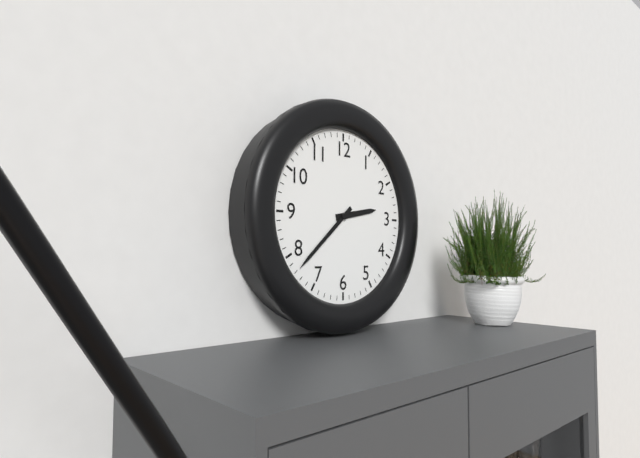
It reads 2:38
